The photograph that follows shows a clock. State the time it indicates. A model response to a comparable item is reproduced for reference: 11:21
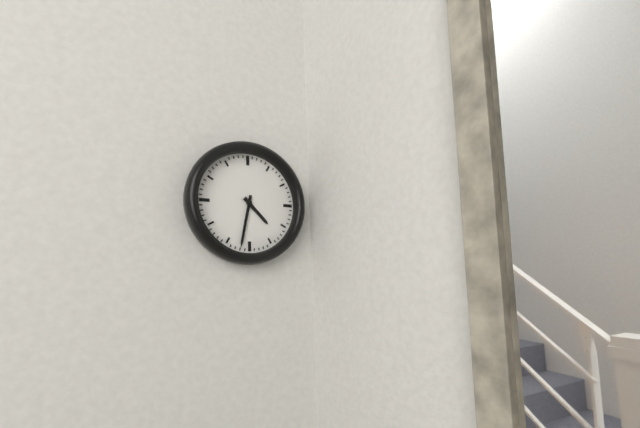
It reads 4:32
